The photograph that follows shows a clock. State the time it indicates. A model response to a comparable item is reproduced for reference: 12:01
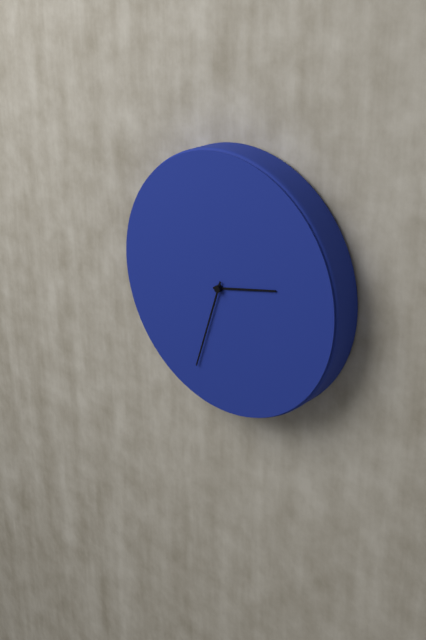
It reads 2:33
